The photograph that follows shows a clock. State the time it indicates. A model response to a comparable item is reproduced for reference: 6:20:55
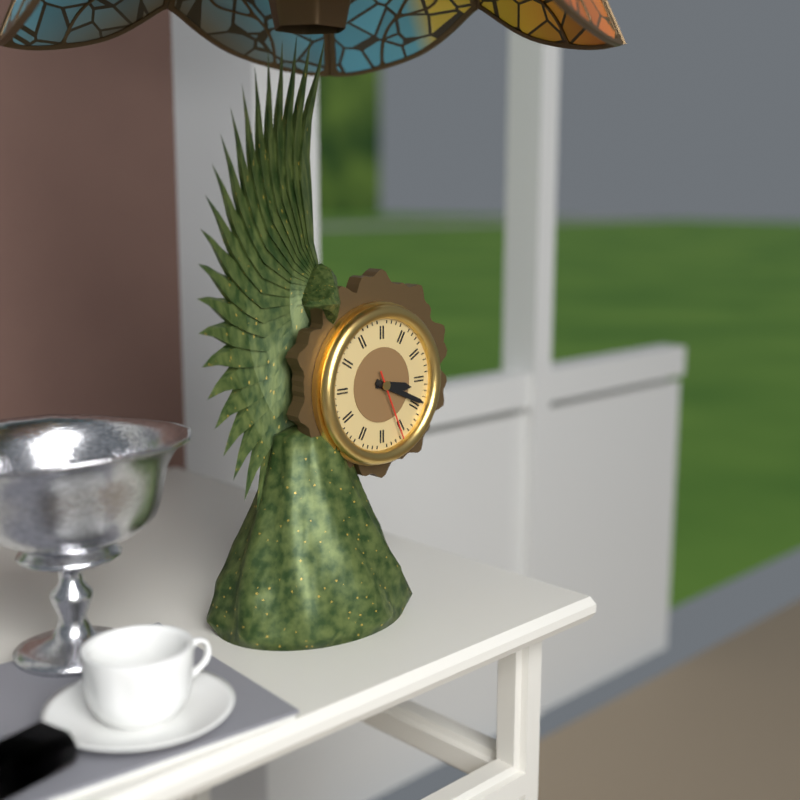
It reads 3:19:26
